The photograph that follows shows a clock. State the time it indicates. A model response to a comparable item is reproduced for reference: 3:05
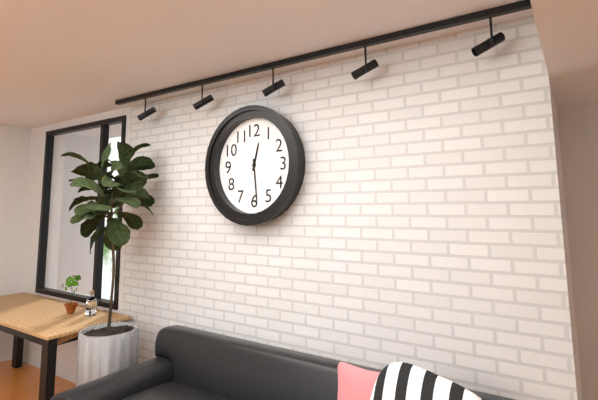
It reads 12:29
